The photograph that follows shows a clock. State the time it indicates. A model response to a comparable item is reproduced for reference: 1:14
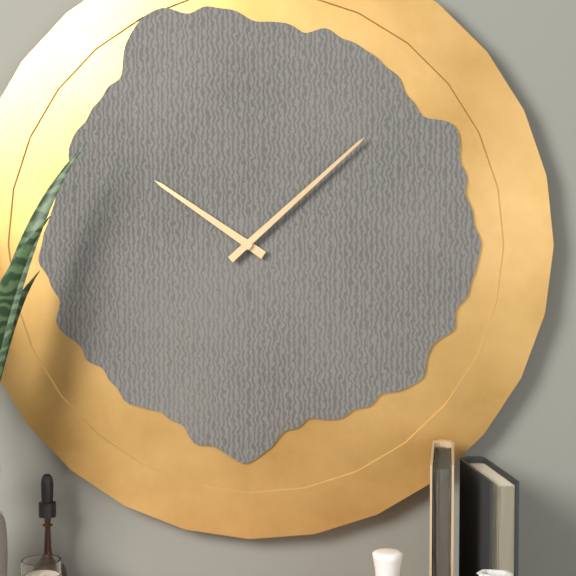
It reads 10:08
